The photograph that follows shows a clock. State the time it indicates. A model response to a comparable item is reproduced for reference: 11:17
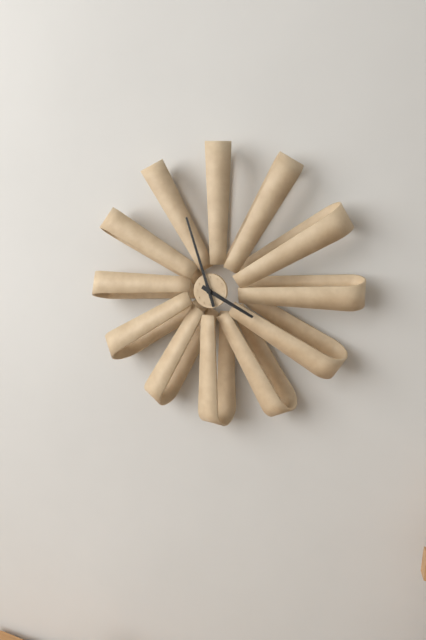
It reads 3:57
